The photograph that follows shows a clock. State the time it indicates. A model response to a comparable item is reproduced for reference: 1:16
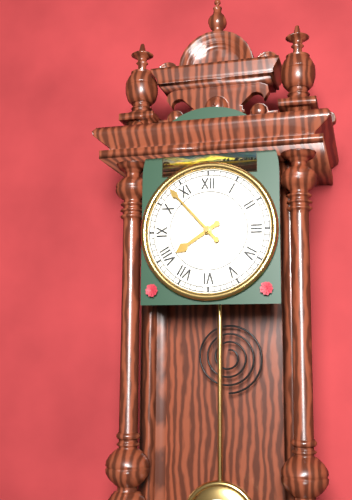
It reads 7:53
